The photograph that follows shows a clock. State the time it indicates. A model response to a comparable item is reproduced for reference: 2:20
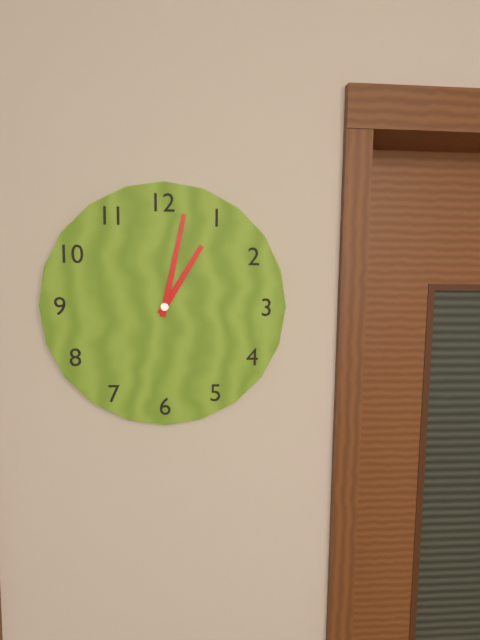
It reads 1:02
